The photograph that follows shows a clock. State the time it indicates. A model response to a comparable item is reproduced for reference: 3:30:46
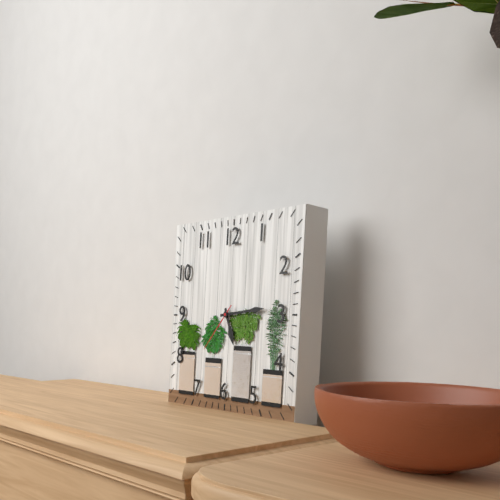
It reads 5:14:37
